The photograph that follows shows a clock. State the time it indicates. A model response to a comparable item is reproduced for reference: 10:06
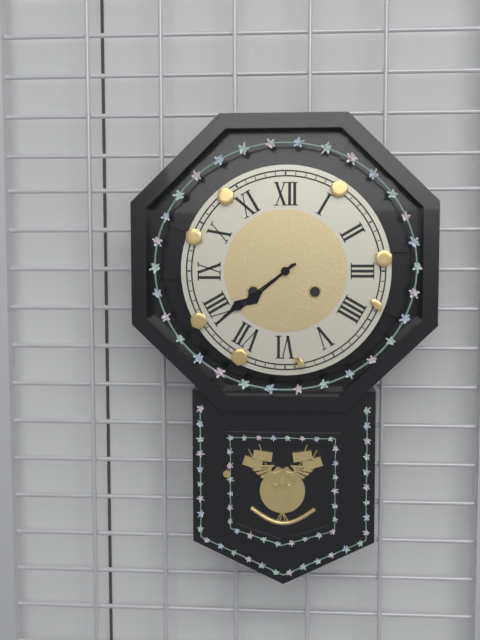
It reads 7:39
